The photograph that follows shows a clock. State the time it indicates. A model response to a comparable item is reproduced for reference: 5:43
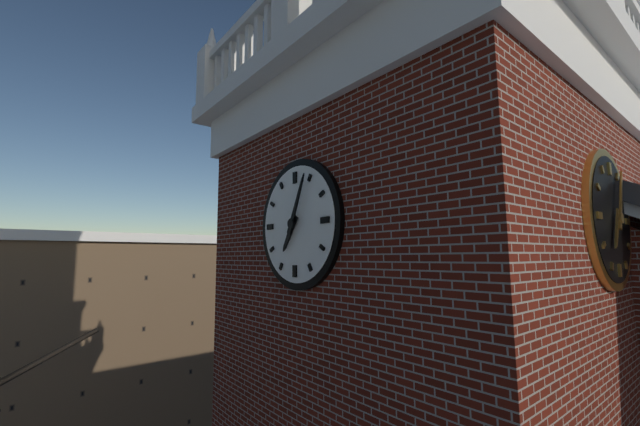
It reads 7:04
